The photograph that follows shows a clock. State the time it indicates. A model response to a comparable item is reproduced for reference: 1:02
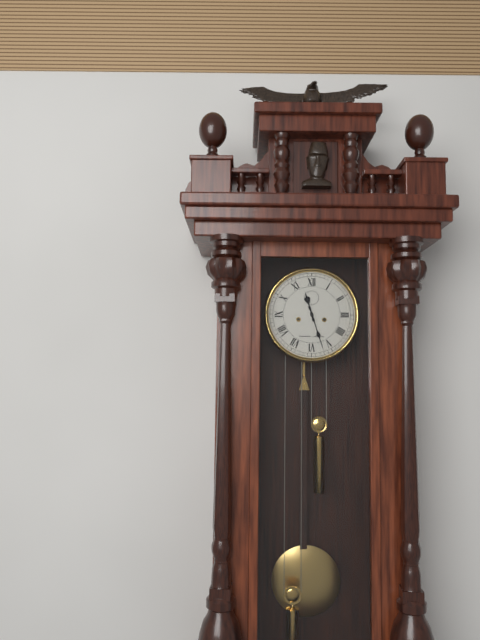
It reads 11:27
